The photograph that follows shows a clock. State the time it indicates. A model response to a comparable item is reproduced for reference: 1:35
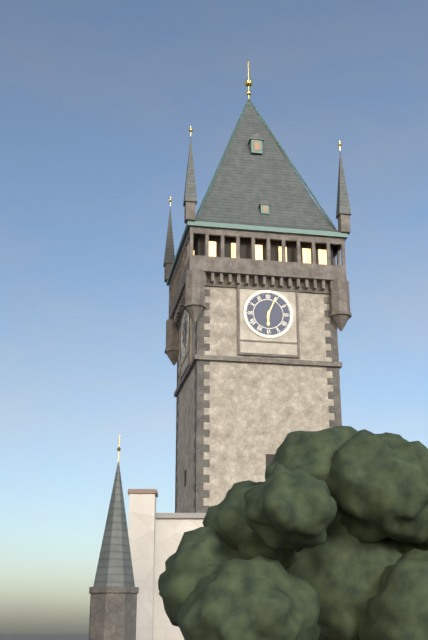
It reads 6:04
